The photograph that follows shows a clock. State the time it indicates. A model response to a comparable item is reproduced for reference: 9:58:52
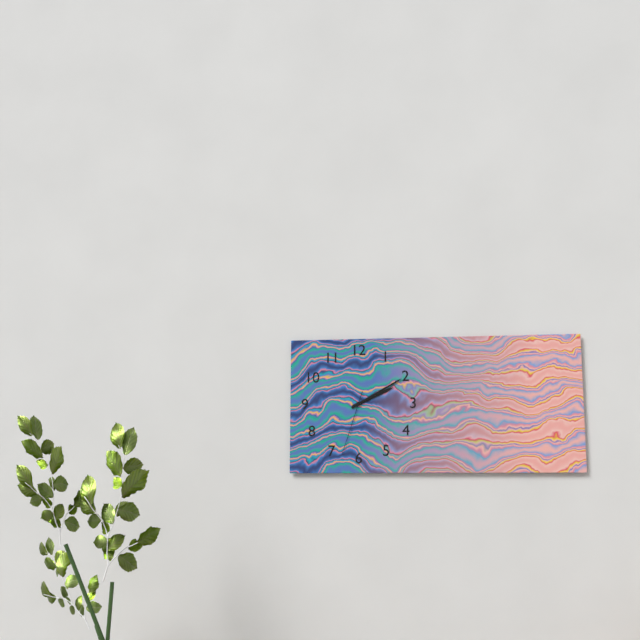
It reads 2:10:33
